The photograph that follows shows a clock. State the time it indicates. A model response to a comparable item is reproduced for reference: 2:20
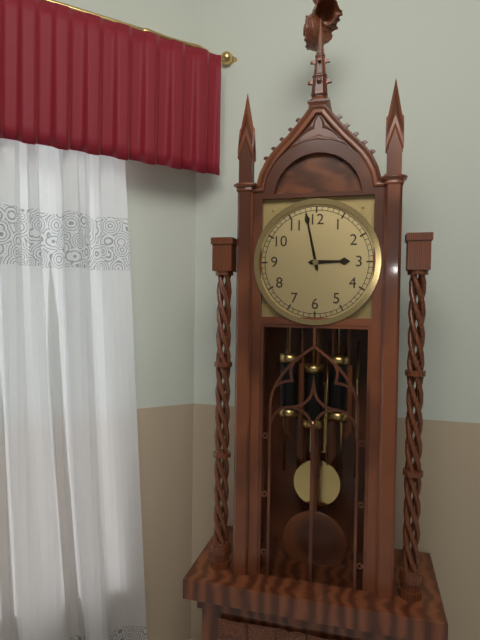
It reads 2:58
